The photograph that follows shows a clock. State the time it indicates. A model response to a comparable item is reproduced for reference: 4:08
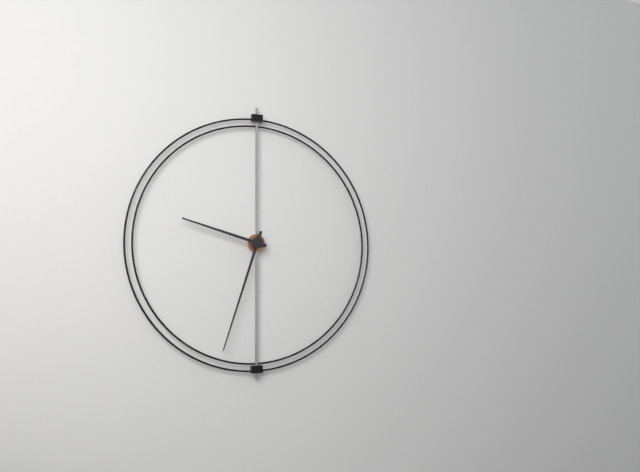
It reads 9:33
